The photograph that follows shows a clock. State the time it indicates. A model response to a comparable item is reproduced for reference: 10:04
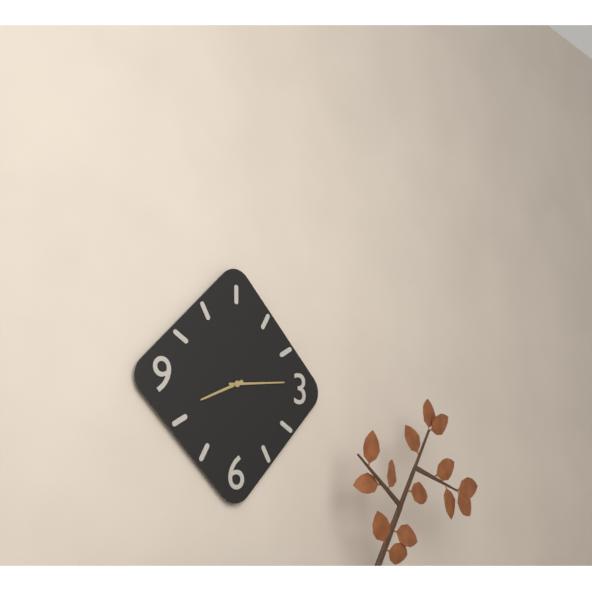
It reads 8:14
